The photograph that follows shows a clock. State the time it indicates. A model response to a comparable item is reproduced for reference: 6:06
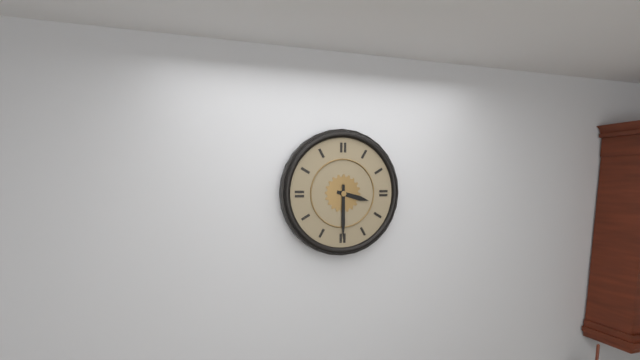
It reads 3:30
